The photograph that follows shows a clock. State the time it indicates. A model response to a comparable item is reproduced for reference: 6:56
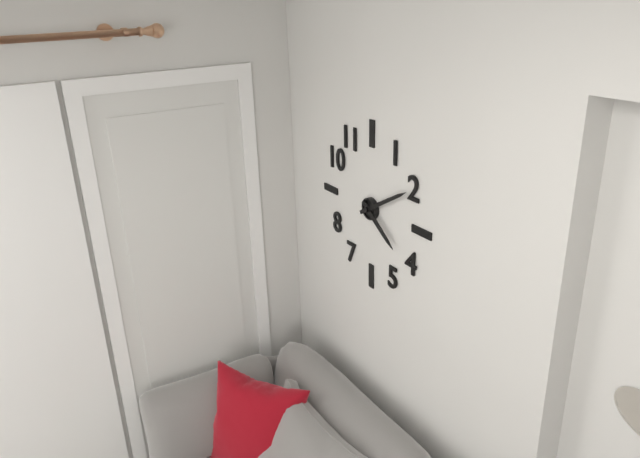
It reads 4:10
